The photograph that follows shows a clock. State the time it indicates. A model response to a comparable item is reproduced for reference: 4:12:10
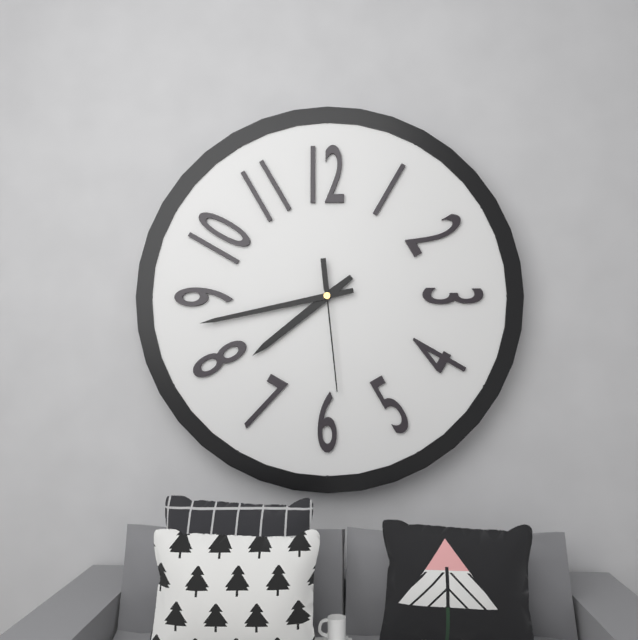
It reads 7:43:29
